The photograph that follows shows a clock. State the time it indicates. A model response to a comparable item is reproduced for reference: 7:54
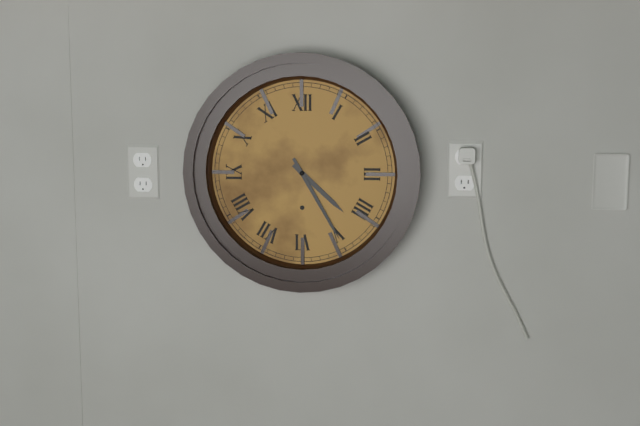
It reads 4:25
